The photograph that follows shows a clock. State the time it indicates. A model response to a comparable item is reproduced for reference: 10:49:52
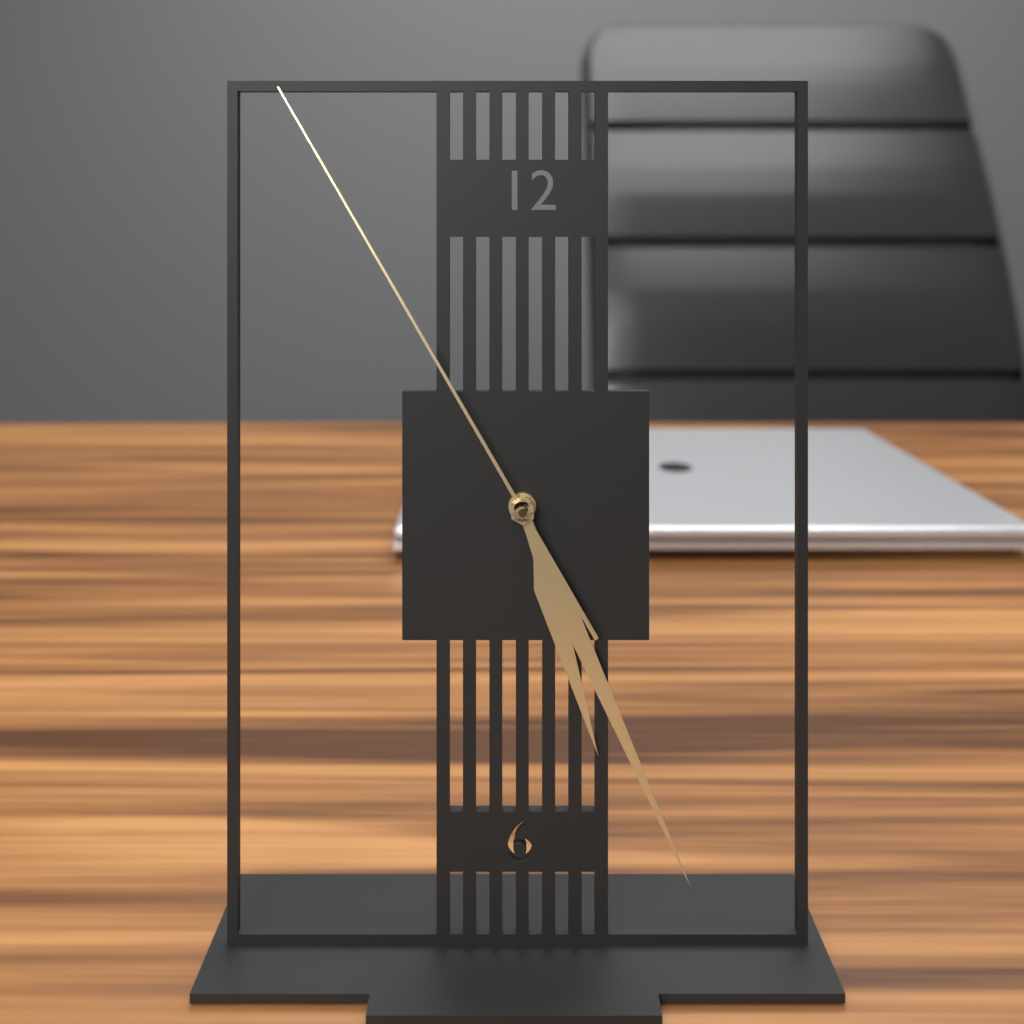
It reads 5:26:55
